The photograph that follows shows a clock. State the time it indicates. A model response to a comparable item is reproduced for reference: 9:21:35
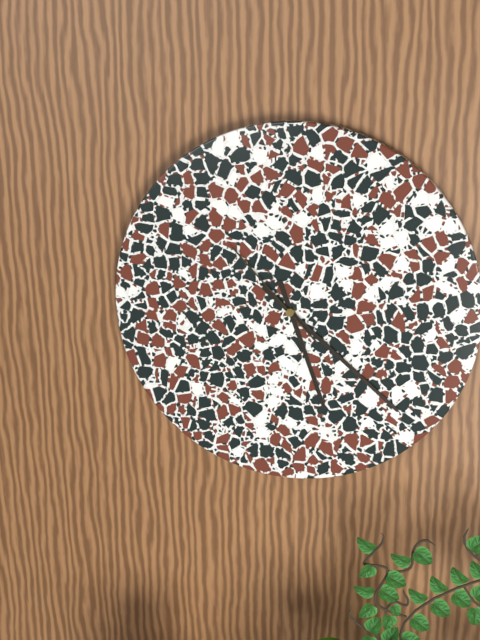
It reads 5:22:53
